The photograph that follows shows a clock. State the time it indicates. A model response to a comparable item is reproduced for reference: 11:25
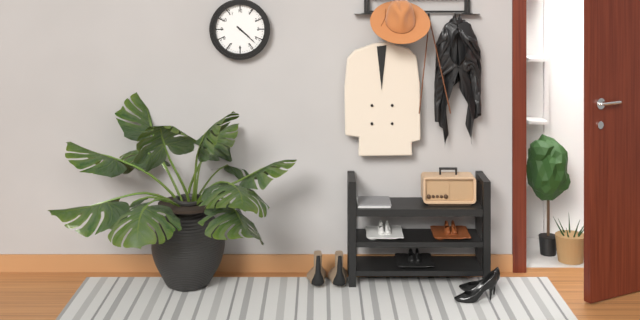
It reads 4:22
